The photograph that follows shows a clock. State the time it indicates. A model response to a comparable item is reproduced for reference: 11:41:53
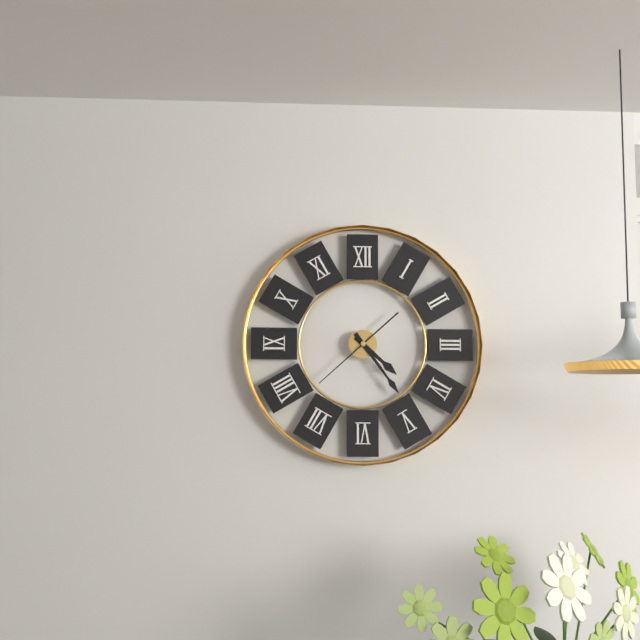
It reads 4:24:38
